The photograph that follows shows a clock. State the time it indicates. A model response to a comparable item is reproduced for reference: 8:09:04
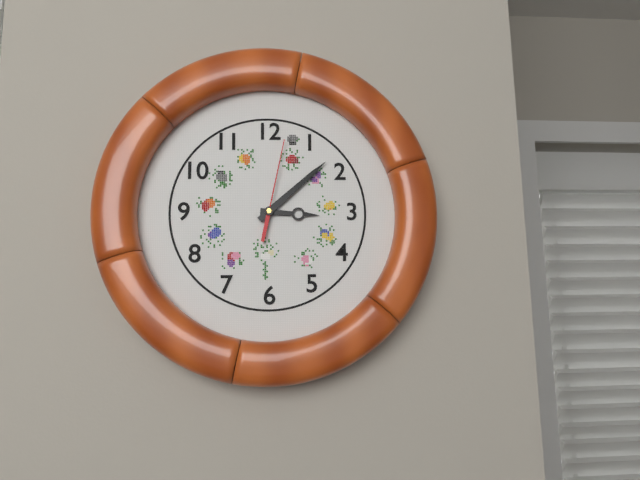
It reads 3:08:02
